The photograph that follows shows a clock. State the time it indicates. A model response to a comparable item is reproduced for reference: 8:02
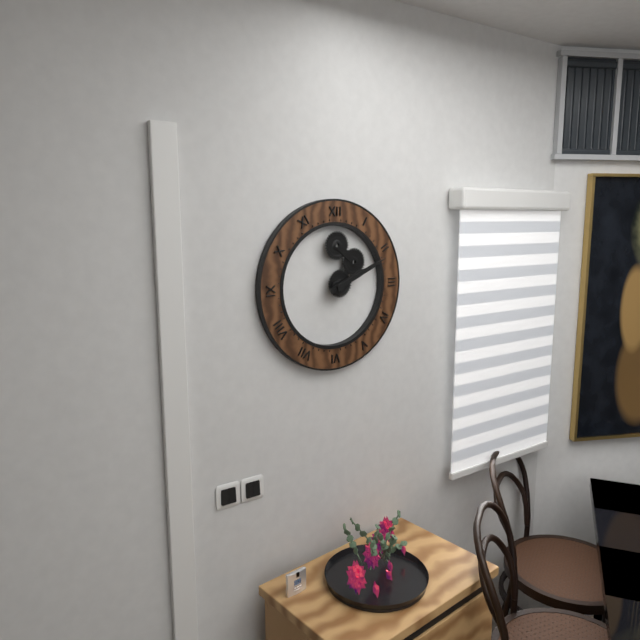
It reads 2:11
